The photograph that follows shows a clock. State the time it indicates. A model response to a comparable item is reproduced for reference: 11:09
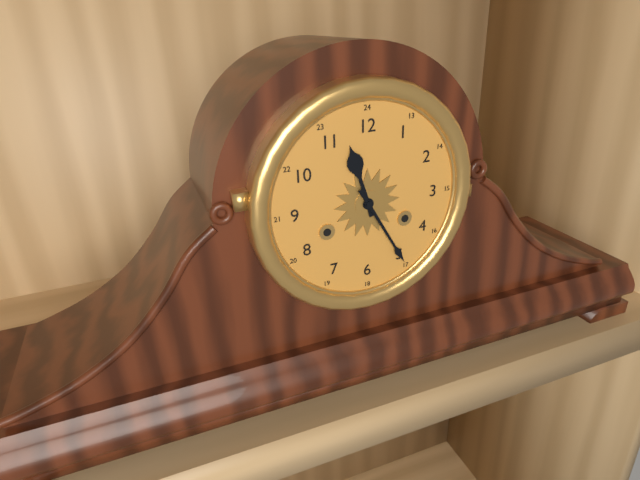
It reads 11:25
